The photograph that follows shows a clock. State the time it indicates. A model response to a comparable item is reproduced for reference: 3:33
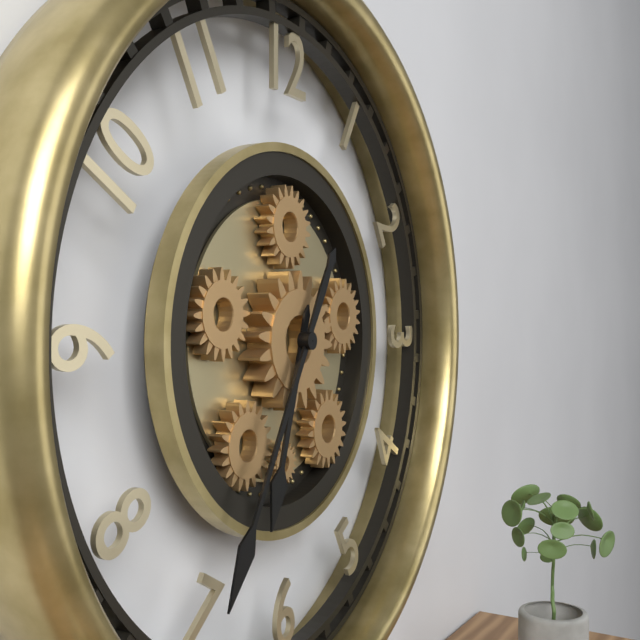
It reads 6:35
